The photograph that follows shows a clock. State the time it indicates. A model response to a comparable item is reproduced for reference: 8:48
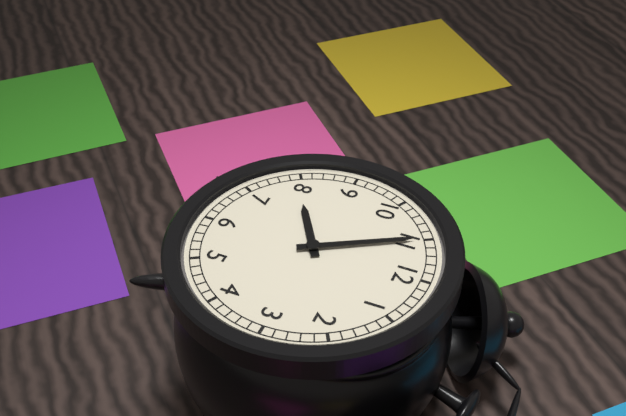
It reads 7:55
